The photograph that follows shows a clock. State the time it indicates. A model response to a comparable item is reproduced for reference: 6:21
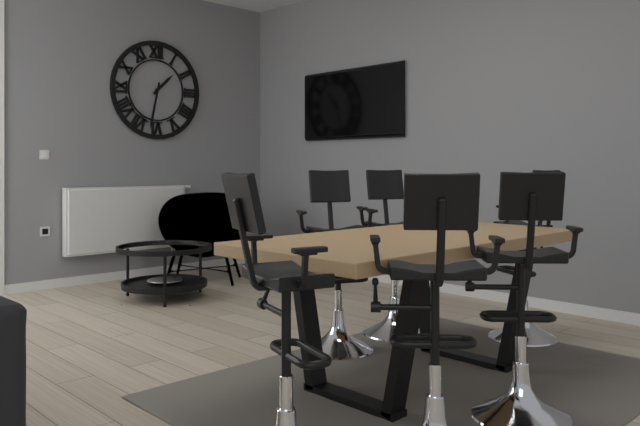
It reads 1:32
